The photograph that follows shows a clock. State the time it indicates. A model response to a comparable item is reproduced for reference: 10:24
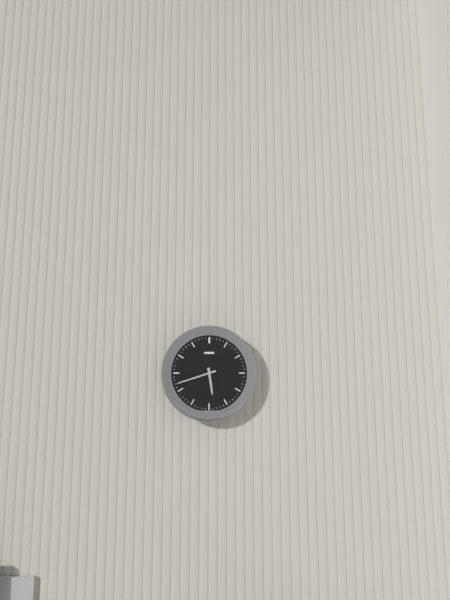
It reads 5:42
